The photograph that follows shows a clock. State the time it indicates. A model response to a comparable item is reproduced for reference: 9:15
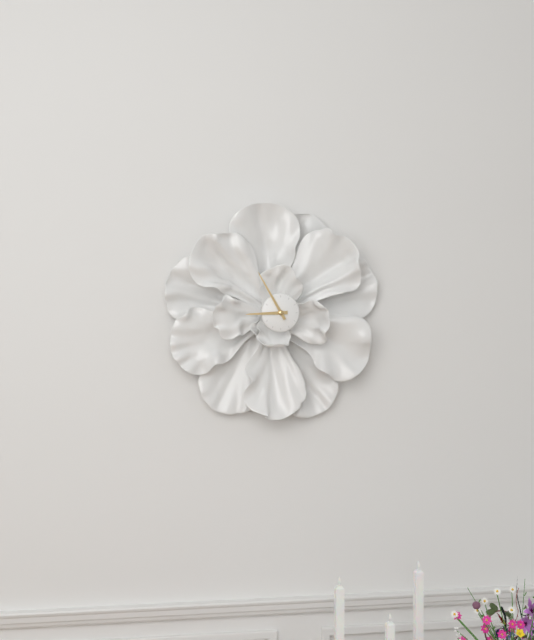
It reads 8:55
